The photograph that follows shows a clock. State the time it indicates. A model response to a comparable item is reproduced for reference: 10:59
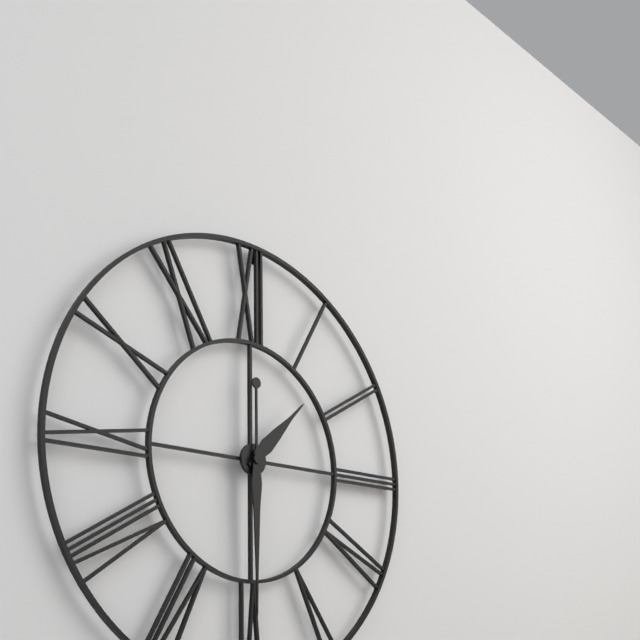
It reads 1:30
